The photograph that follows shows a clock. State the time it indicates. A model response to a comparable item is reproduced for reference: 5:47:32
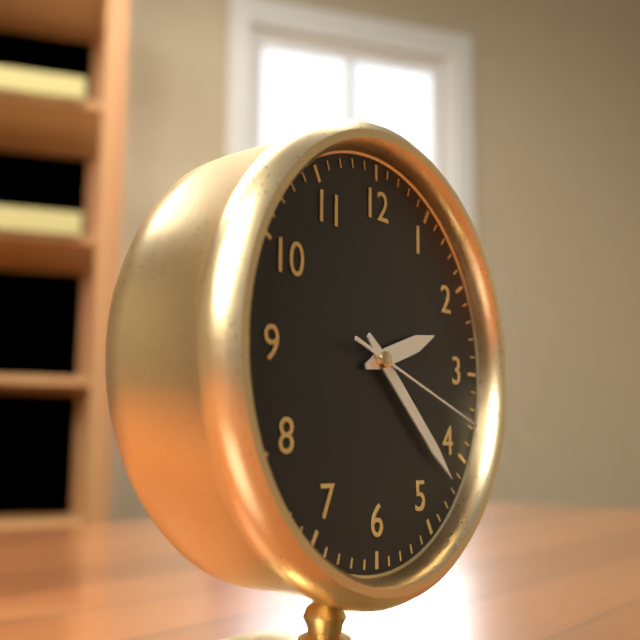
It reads 2:22:18
